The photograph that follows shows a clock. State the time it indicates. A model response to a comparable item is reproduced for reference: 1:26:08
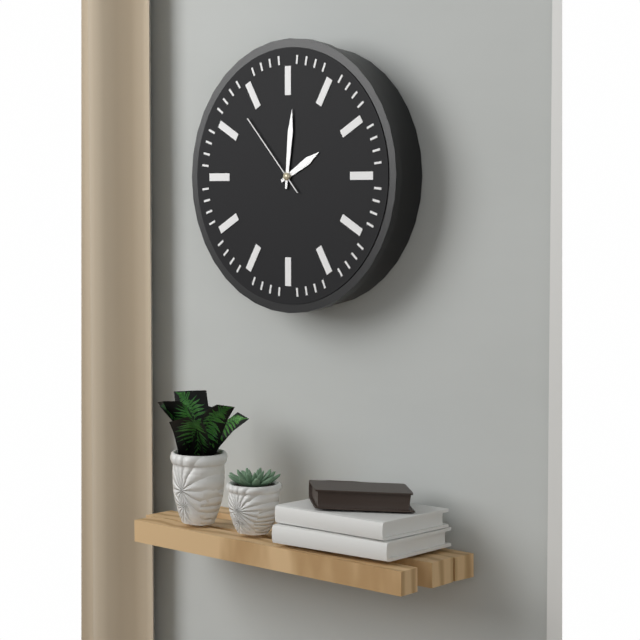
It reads 2:01:53
